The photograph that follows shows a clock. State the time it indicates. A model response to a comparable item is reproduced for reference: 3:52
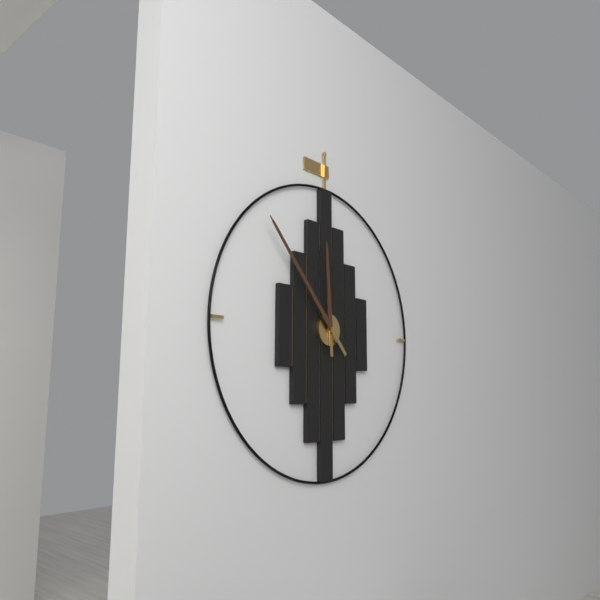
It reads 11:53
